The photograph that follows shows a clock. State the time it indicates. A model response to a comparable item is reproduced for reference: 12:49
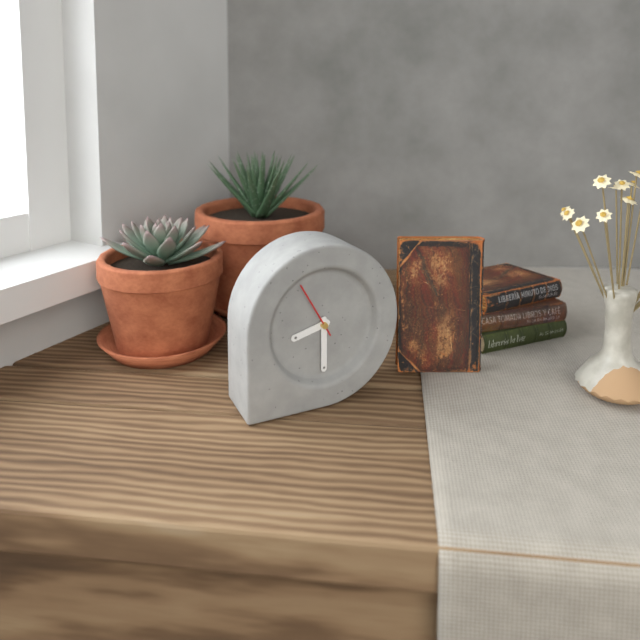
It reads 8:30
